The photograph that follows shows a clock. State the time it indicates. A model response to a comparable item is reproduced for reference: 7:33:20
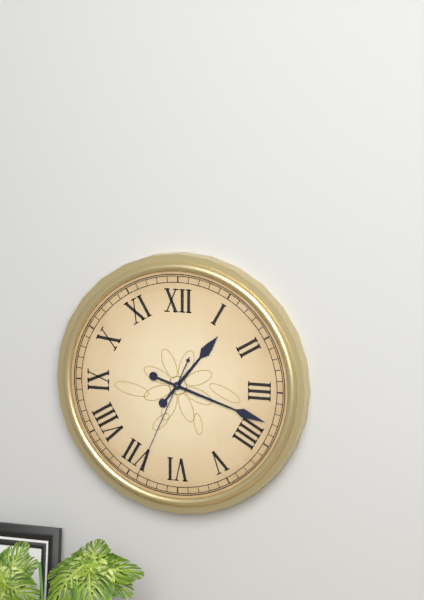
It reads 1:18:34
